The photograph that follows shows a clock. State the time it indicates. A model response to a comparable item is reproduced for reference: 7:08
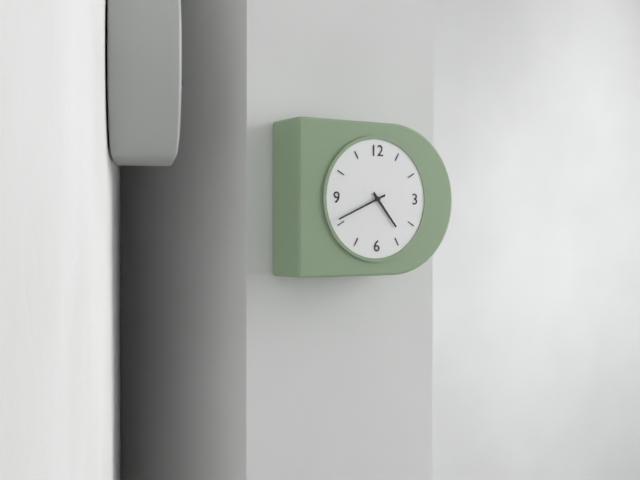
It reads 4:41
